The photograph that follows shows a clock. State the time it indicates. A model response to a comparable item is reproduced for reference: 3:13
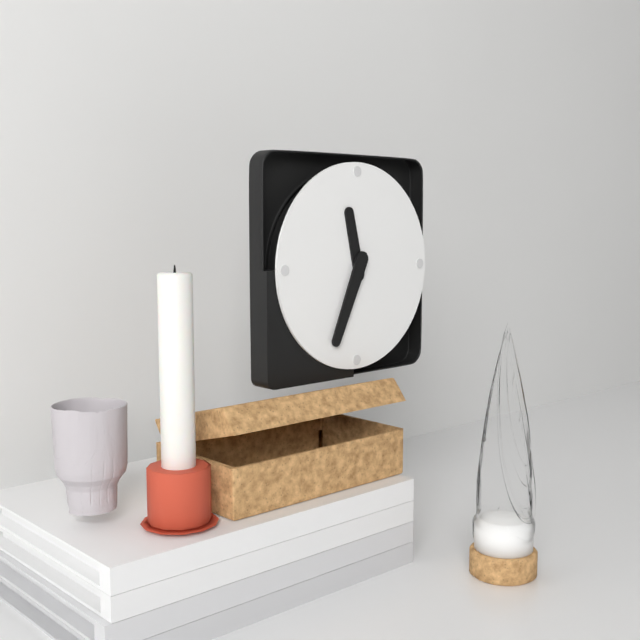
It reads 11:34
